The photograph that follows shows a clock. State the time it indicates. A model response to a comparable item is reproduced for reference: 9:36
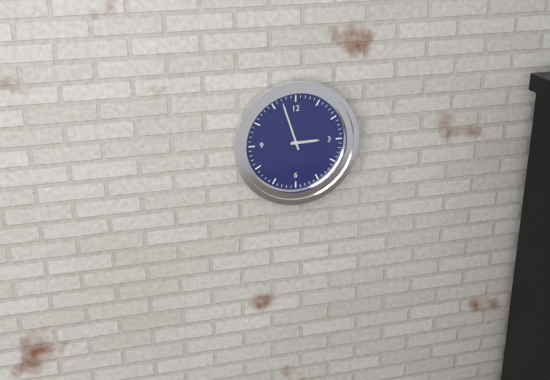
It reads 2:57
